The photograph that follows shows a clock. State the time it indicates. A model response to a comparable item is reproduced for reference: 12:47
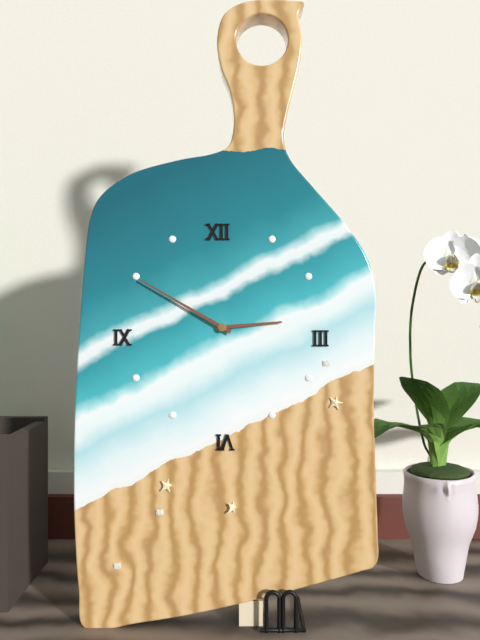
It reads 2:50
